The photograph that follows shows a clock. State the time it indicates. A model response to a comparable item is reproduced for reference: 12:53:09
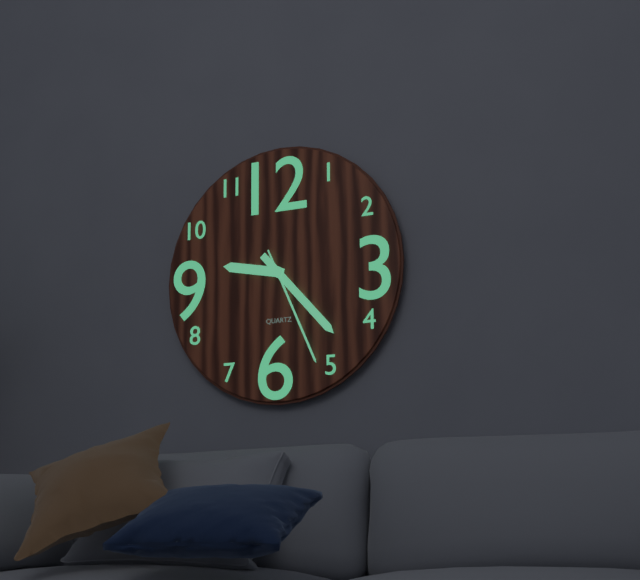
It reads 9:23:26
